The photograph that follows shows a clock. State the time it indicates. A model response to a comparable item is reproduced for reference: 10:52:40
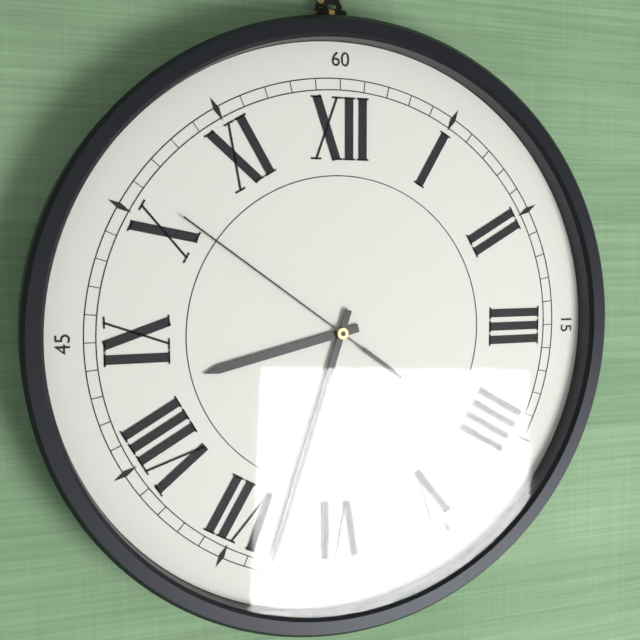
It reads 8:33:51
